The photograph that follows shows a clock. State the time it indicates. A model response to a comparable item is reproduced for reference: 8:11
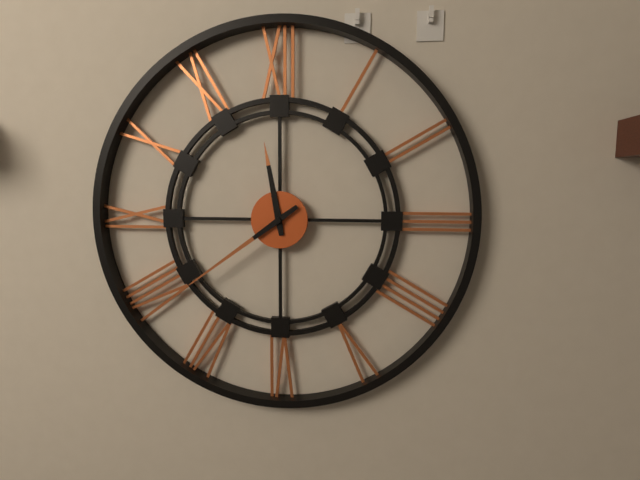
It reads 11:39
